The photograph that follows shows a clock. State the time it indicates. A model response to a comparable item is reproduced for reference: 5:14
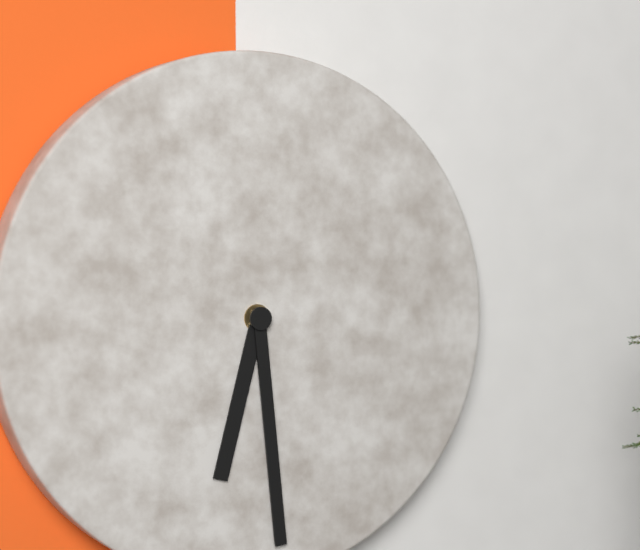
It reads 6:29
